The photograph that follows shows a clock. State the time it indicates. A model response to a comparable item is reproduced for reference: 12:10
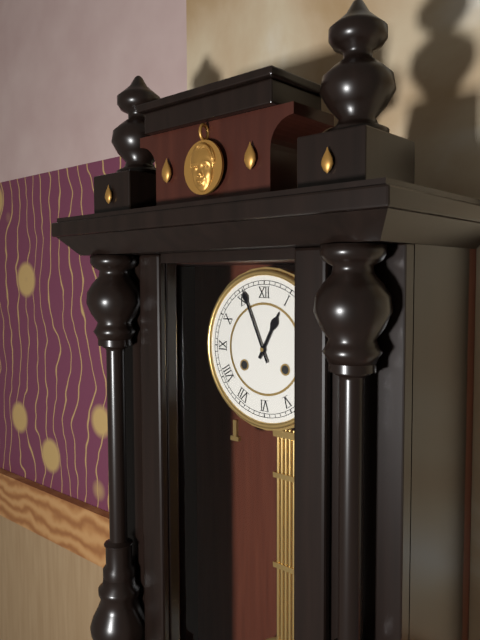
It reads 12:56
